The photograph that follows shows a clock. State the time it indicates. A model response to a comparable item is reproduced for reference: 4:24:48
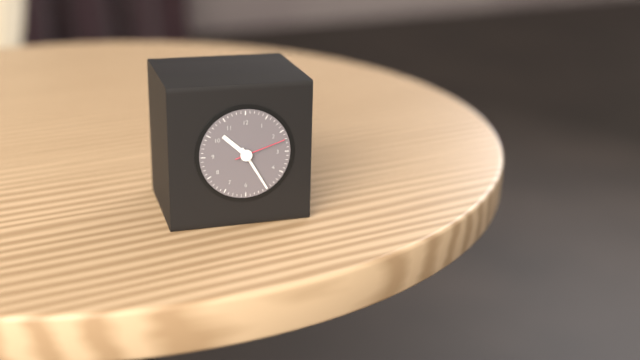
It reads 10:25:12
